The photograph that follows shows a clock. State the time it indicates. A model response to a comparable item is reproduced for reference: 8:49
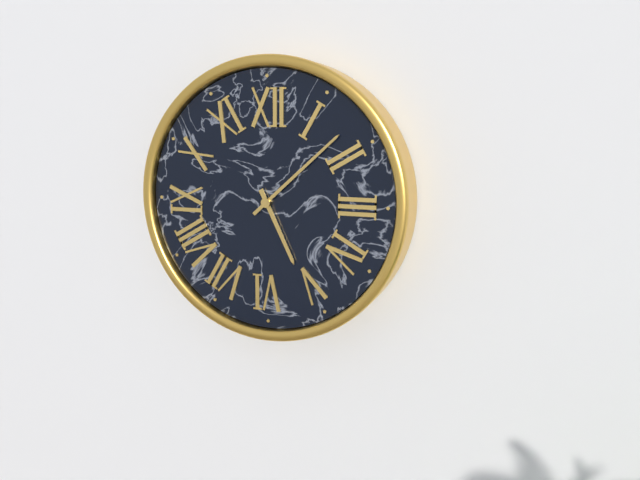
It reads 5:08
